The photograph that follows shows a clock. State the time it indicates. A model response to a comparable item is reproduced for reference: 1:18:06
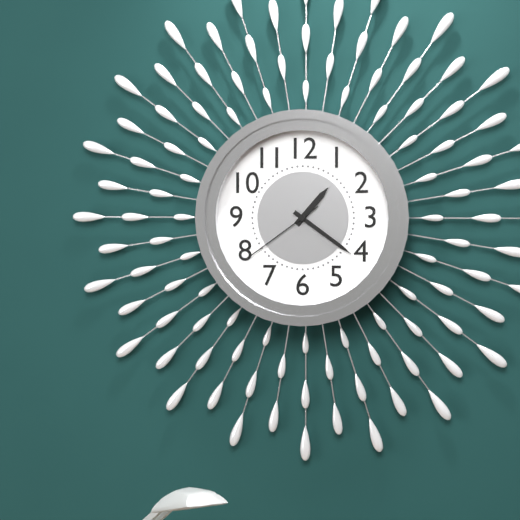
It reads 1:21:39
